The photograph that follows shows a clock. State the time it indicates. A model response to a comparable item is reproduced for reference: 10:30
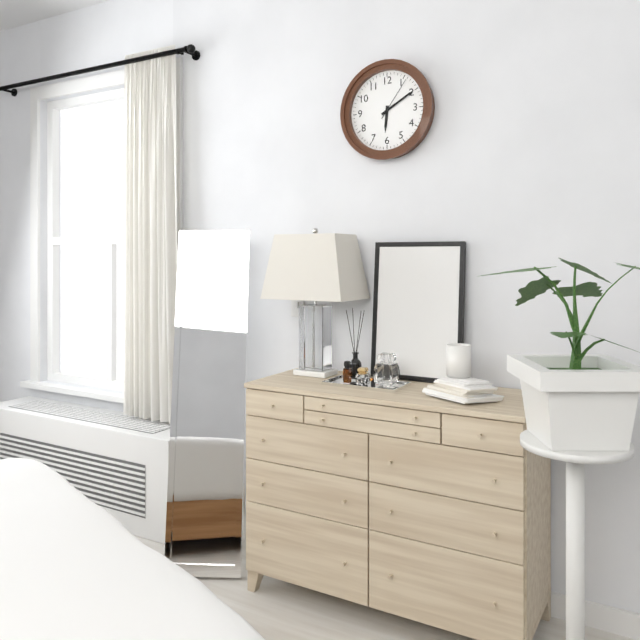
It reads 6:10
